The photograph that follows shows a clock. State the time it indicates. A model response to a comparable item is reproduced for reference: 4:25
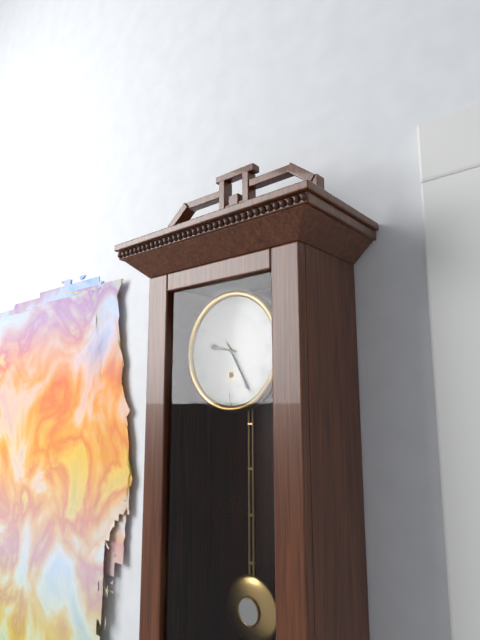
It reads 9:25
